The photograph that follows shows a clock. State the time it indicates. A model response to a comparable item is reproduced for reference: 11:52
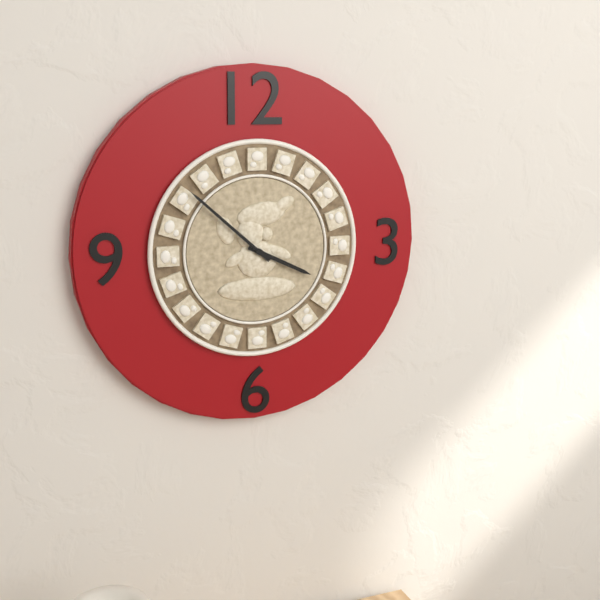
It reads 3:52
